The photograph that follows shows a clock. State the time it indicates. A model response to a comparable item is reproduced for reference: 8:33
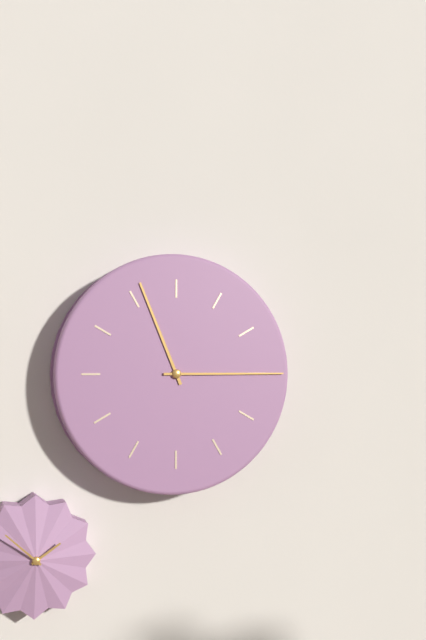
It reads 11:15
